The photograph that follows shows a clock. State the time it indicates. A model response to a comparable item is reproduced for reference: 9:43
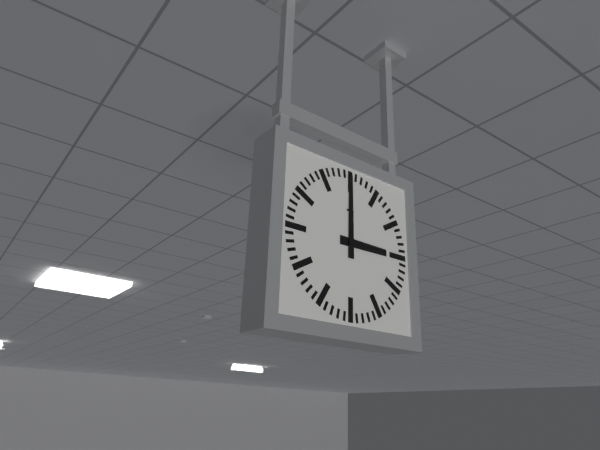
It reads 3:00
